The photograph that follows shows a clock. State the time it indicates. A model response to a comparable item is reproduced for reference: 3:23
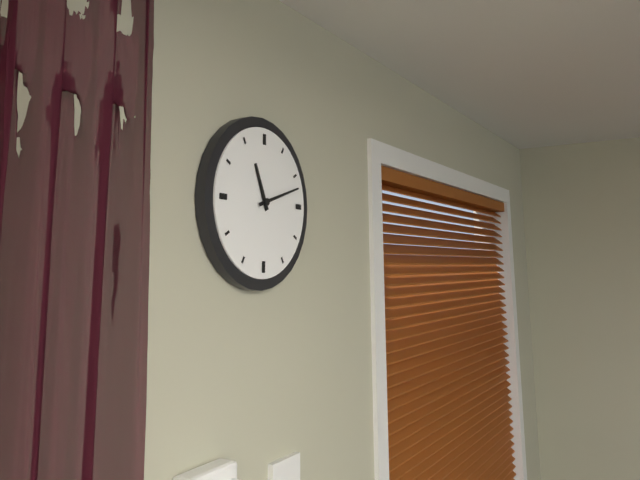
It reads 11:12
